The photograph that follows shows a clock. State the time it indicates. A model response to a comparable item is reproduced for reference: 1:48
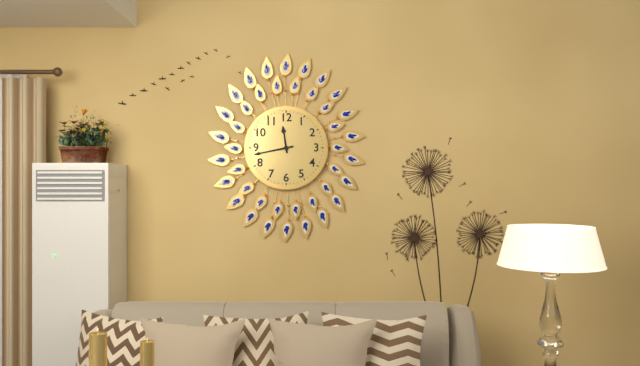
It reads 11:43
